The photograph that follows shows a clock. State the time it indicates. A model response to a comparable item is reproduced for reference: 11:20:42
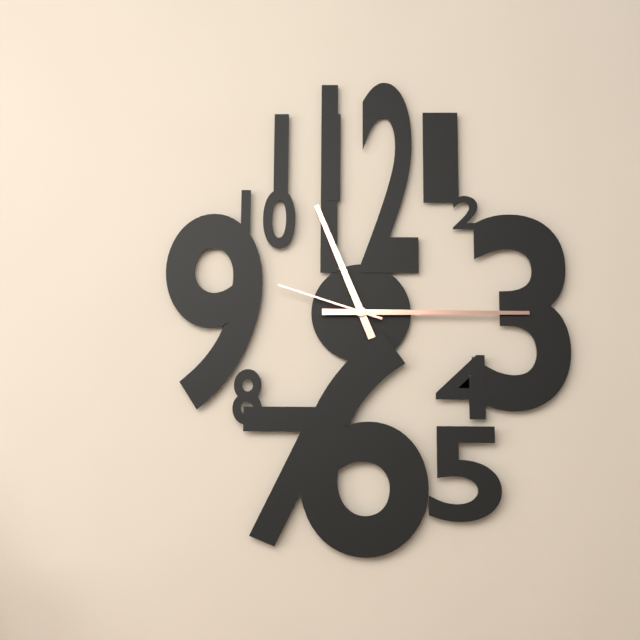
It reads 11:15:48
